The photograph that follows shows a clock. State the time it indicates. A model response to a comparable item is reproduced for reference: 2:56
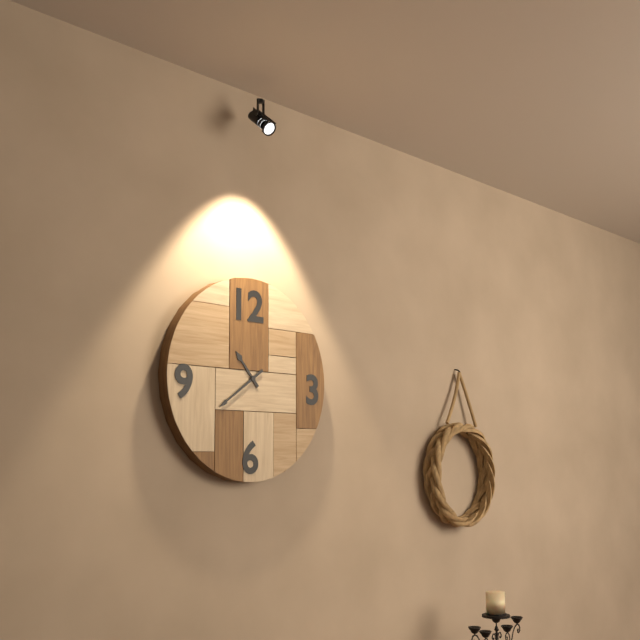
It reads 10:39
